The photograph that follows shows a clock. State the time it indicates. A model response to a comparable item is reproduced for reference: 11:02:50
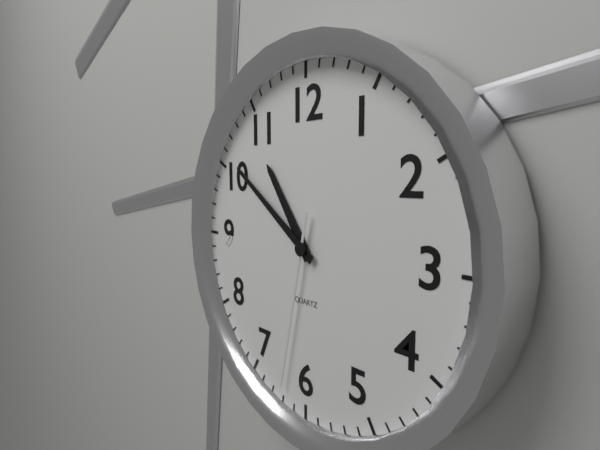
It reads 10:51:32
